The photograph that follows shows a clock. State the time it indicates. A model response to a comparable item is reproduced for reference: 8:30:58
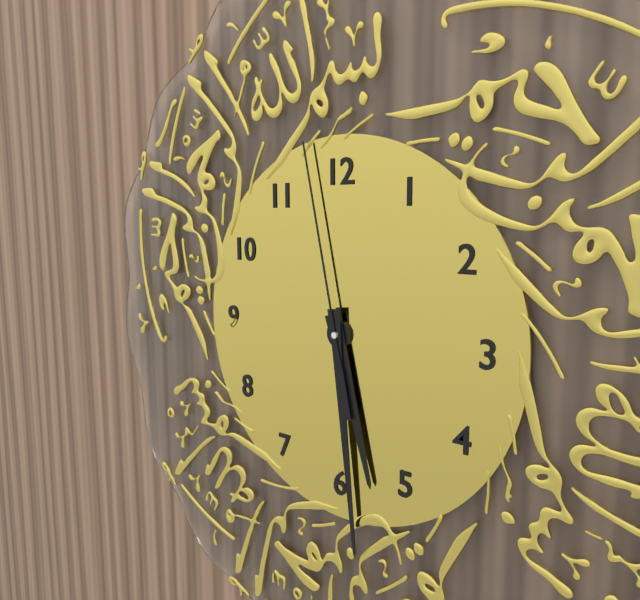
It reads 5:29:58
